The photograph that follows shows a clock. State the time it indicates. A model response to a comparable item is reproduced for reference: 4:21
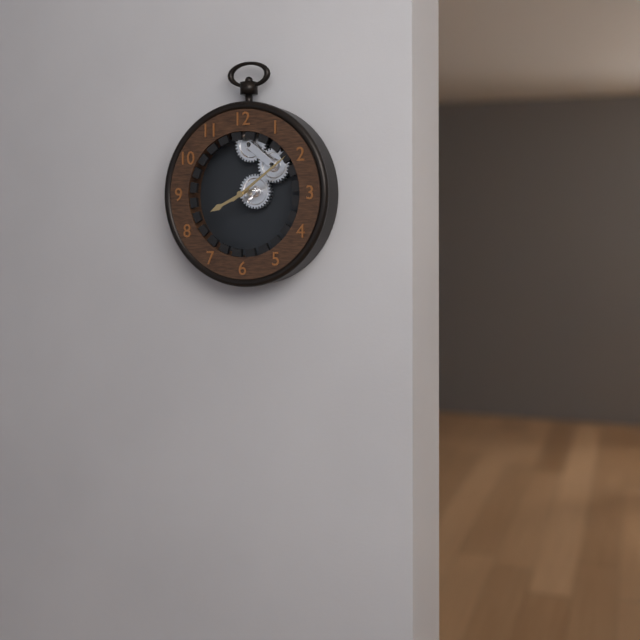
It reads 8:09
